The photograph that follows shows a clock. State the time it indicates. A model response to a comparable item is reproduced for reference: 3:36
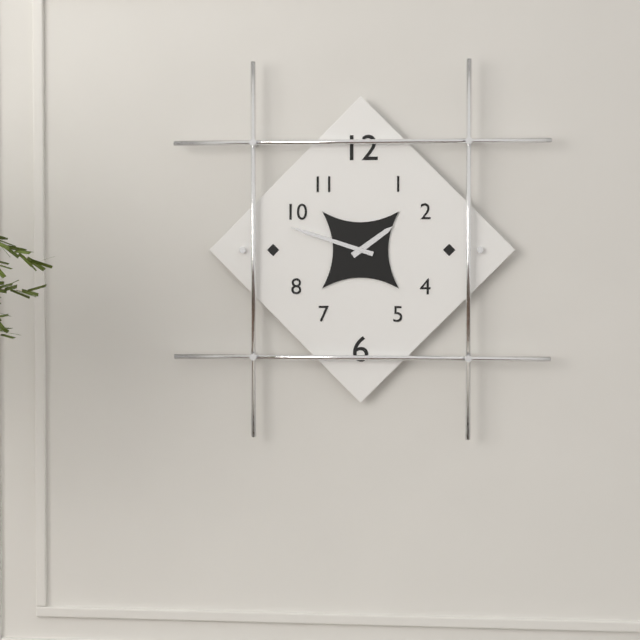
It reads 1:48
